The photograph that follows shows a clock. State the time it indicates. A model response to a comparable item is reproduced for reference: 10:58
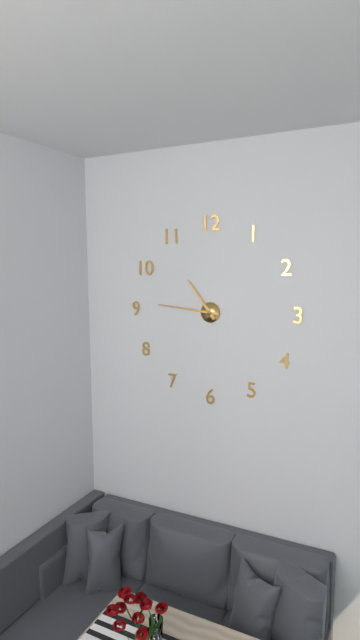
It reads 10:46
